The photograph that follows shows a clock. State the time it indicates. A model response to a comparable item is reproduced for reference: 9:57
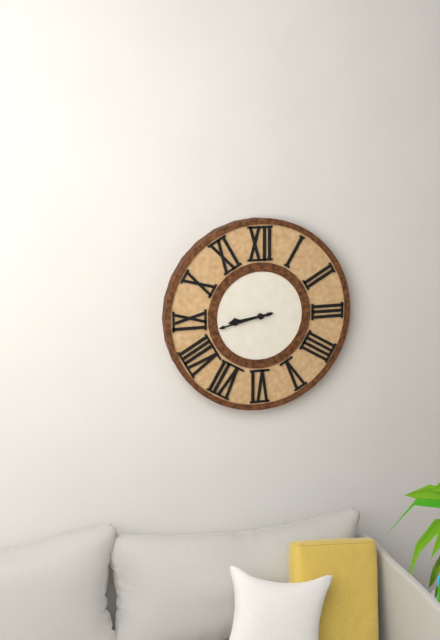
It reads 8:43
